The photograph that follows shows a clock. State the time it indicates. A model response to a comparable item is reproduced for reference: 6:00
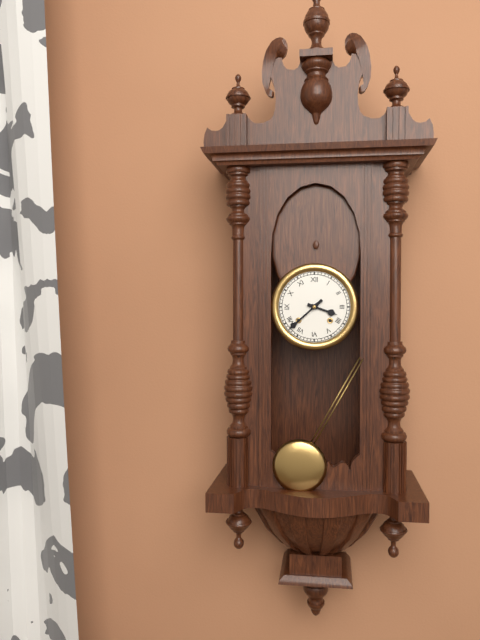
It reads 3:38
